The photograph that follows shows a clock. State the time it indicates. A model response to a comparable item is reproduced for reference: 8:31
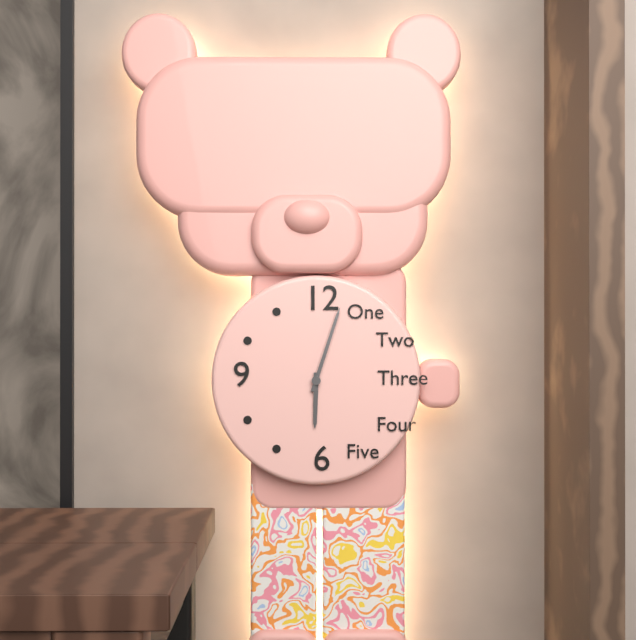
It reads 6:03
